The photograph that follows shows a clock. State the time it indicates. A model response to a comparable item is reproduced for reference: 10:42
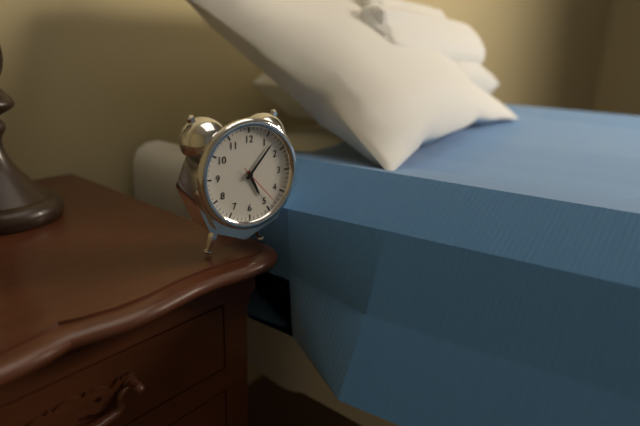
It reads 5:07
